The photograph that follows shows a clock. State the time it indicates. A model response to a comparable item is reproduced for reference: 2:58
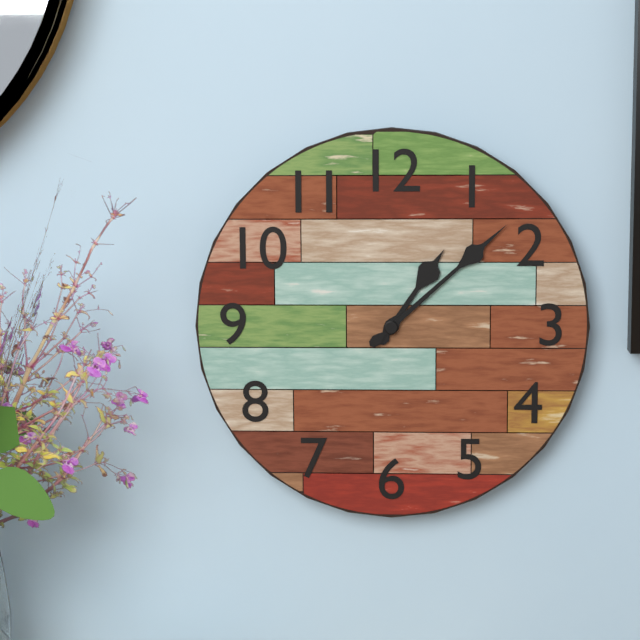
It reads 1:08
